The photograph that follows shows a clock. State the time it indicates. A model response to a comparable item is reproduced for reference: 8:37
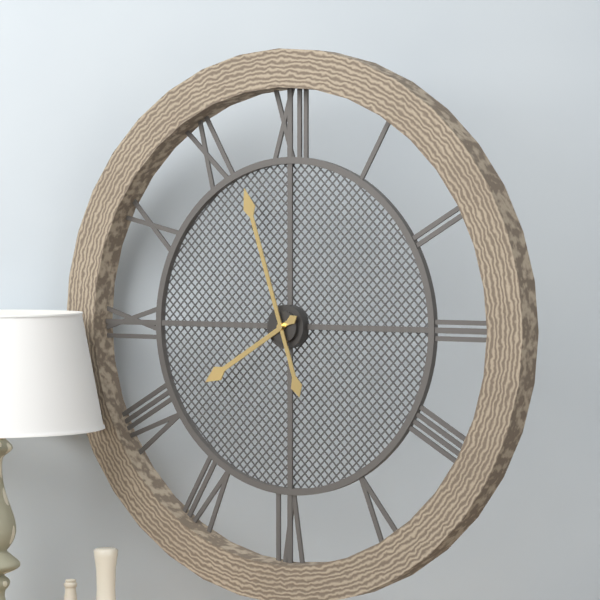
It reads 7:57
